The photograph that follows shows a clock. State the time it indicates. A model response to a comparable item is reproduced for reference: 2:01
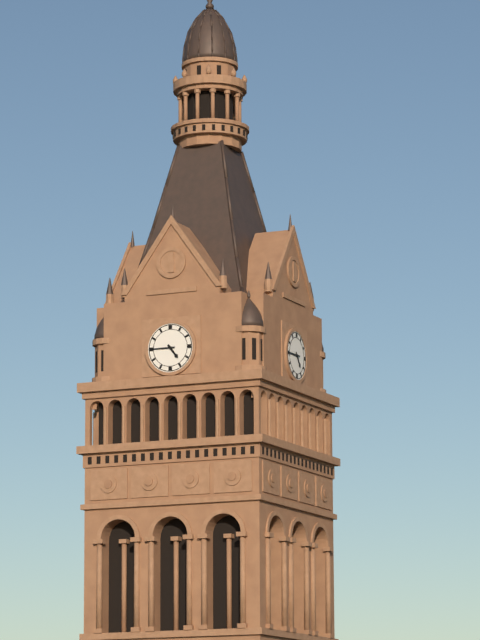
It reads 4:45
